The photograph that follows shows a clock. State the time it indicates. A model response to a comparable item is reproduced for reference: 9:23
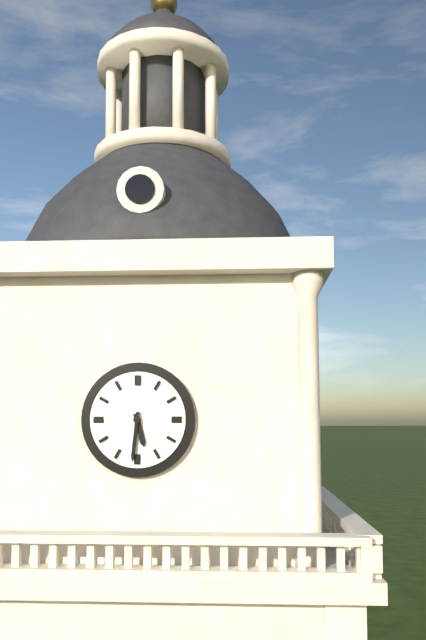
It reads 5:31
